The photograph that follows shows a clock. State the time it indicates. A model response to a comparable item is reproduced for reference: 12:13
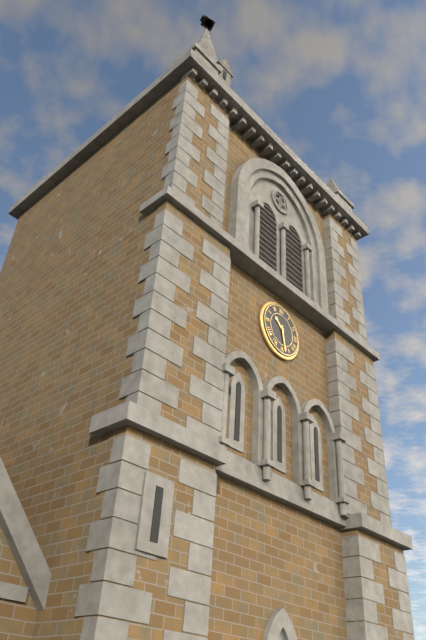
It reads 10:28
